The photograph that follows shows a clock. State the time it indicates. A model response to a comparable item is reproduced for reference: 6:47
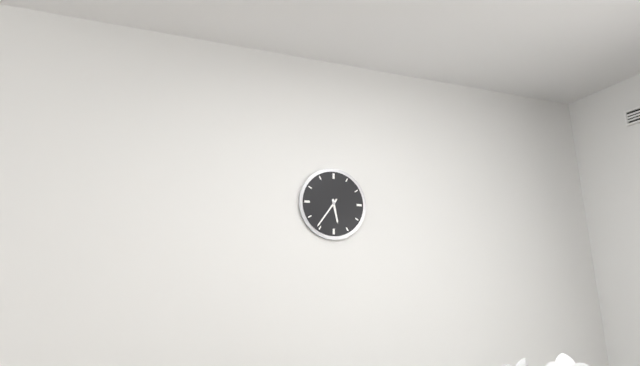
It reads 5:36
